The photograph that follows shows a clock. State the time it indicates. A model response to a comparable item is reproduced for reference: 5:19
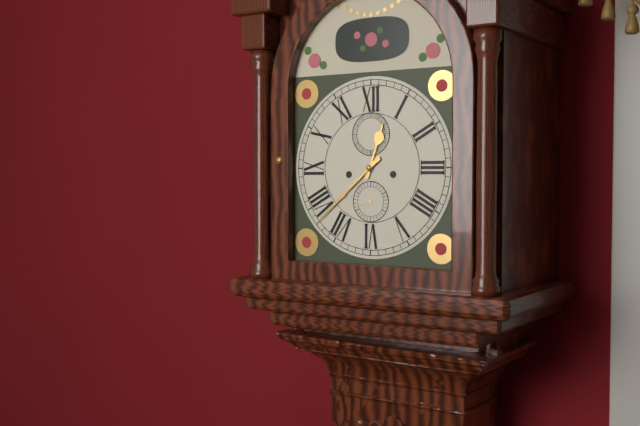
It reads 12:38
